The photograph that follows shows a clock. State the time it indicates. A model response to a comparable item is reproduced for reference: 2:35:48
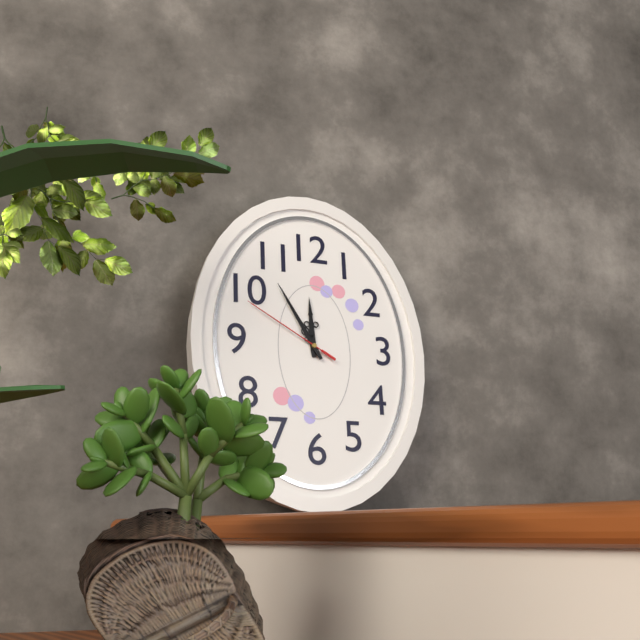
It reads 11:55:50
